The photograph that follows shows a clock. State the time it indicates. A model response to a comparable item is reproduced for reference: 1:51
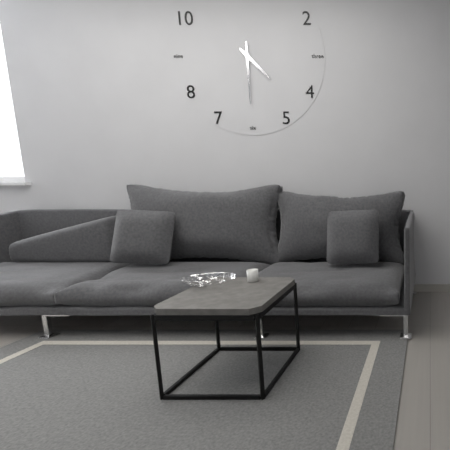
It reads 4:30
